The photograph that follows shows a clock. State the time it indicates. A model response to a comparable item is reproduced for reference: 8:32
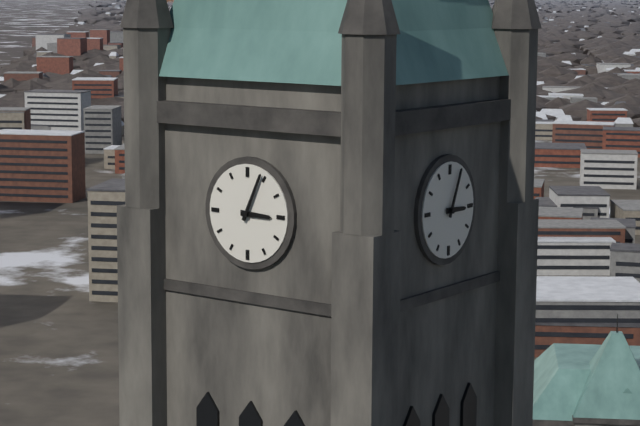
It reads 3:04
